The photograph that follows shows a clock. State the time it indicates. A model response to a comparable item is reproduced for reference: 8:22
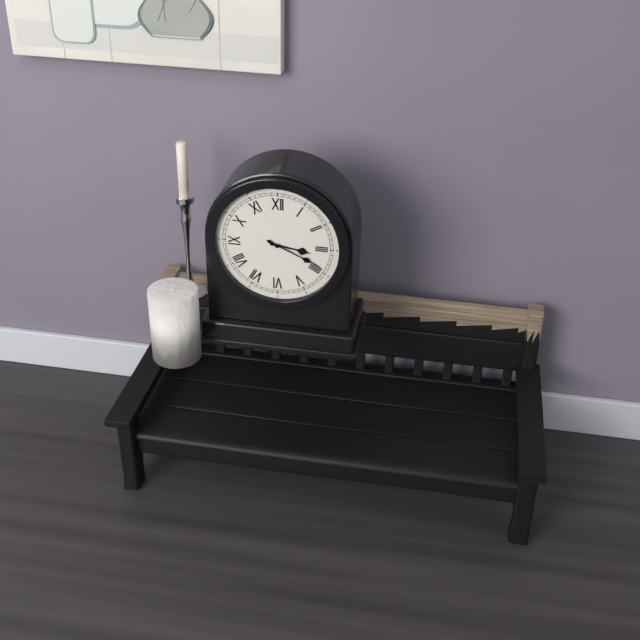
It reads 3:19
